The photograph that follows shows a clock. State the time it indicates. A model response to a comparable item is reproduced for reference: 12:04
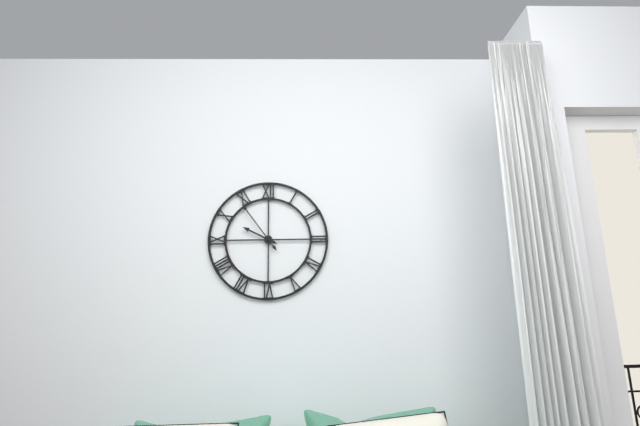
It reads 9:54
